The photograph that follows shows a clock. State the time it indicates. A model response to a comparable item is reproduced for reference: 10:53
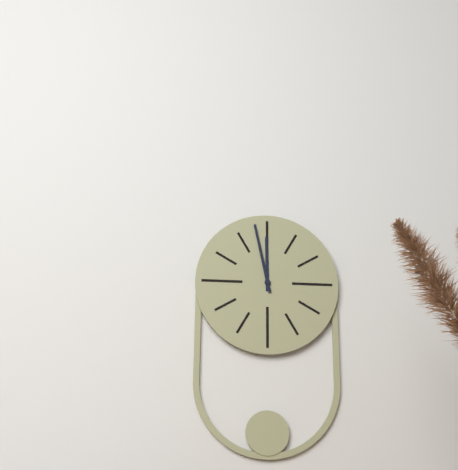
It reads 11:58
